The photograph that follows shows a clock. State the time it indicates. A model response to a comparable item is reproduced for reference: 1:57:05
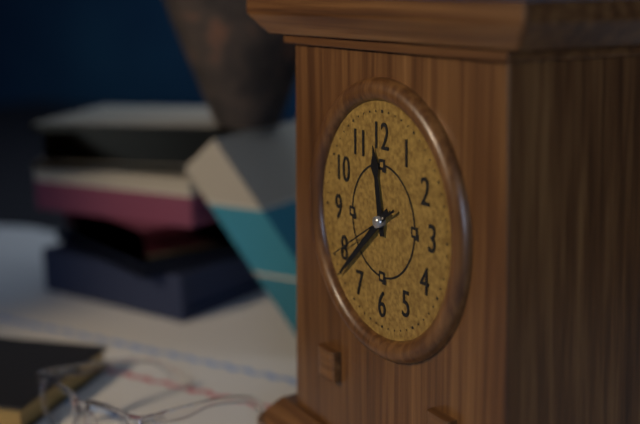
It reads 11:38:40
